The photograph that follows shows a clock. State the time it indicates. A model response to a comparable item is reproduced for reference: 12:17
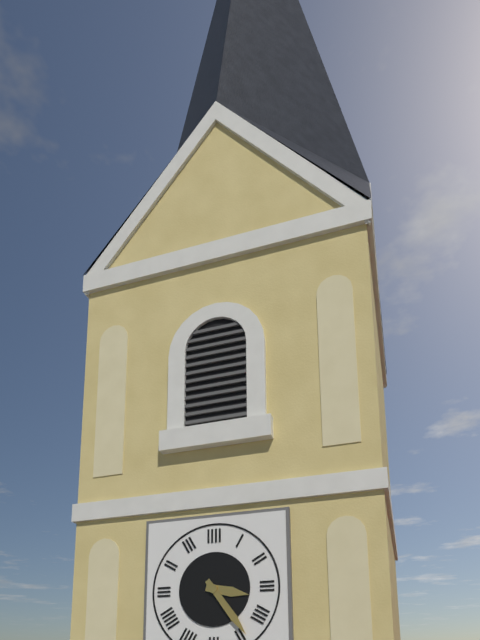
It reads 3:24
